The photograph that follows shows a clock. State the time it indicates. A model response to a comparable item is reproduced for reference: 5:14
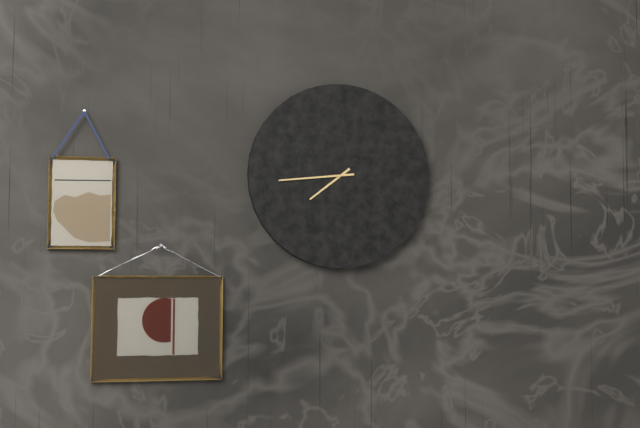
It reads 7:44
